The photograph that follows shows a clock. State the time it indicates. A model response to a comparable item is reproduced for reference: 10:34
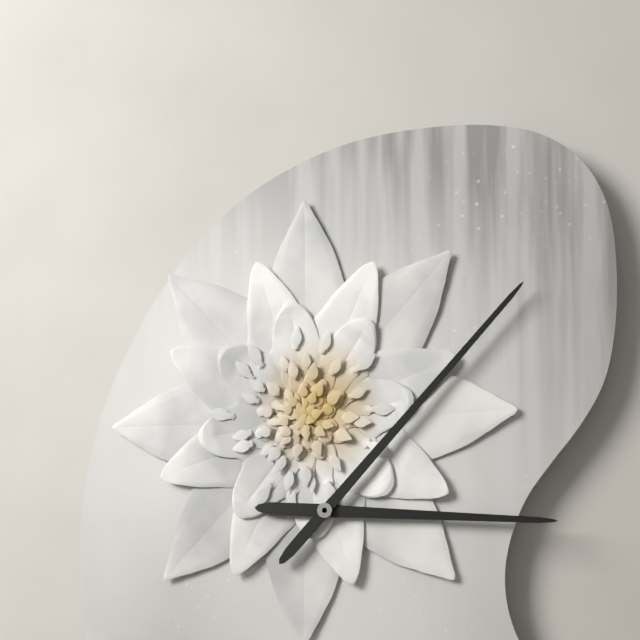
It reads 3:07
